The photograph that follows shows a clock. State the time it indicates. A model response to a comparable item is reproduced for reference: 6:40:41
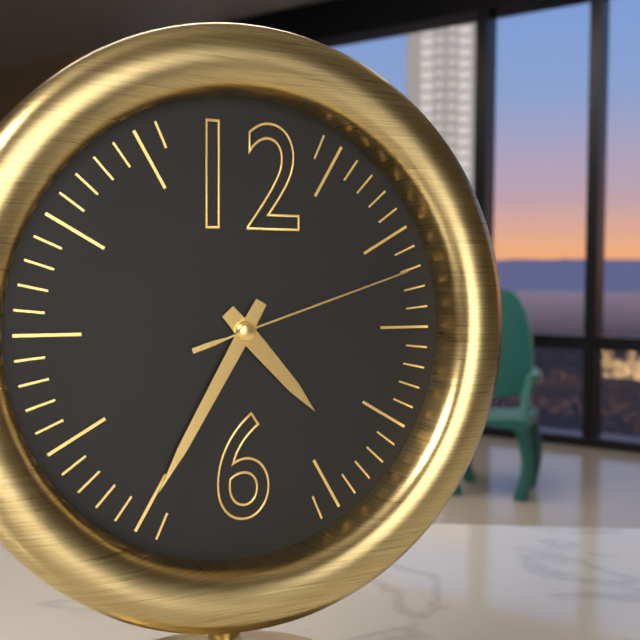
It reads 4:35:12
